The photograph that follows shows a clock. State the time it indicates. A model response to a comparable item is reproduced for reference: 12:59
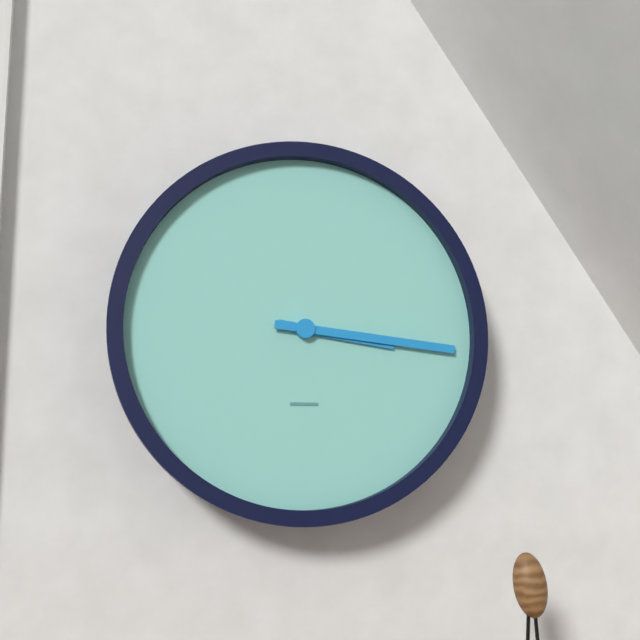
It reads 3:16
